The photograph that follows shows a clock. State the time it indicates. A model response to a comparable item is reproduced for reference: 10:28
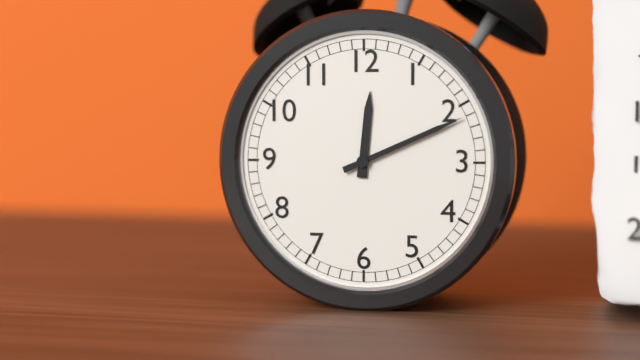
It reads 12:11
